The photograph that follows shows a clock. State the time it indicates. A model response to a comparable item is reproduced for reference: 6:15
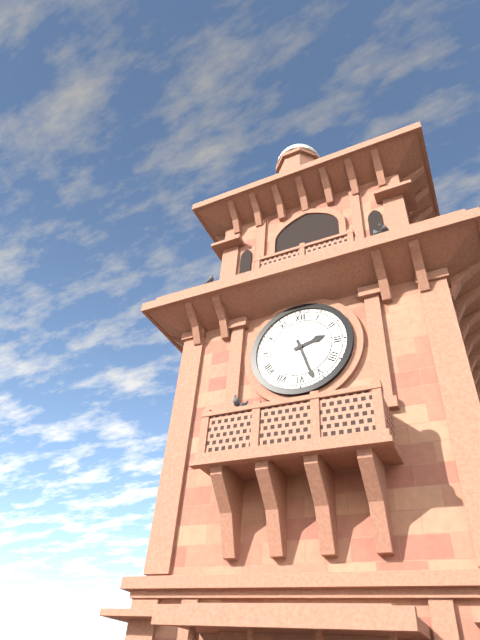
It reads 2:27
